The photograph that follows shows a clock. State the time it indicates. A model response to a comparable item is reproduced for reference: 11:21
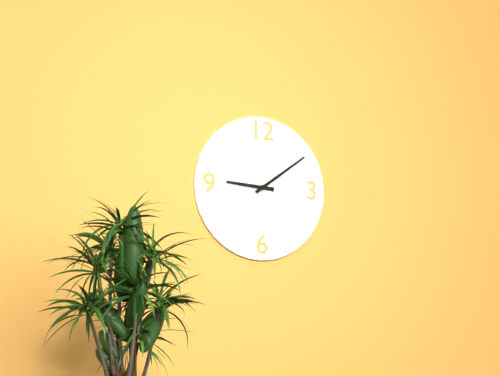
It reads 9:09
